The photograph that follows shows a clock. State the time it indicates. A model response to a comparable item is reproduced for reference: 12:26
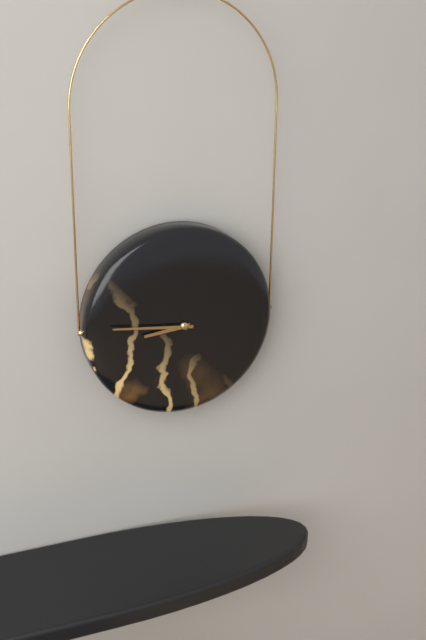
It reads 8:46
